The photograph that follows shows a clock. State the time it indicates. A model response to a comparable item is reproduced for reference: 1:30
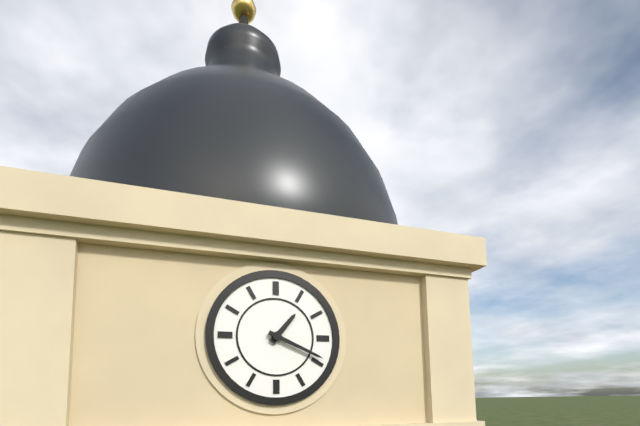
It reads 1:19
